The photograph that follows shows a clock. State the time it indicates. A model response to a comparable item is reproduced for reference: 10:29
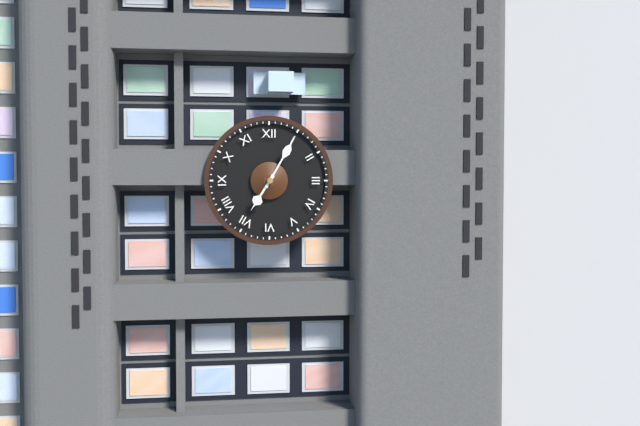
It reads 7:05
